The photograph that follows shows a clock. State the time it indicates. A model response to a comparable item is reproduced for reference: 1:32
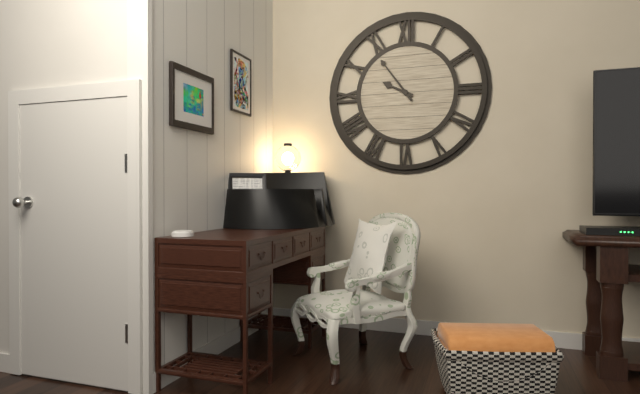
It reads 9:54
